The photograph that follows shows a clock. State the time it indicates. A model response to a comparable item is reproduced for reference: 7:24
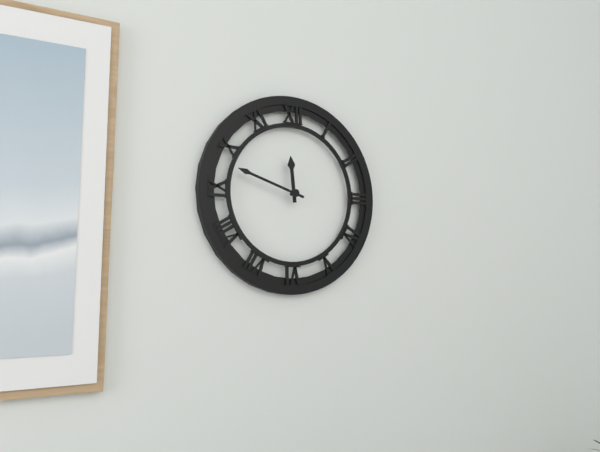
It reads 11:48
